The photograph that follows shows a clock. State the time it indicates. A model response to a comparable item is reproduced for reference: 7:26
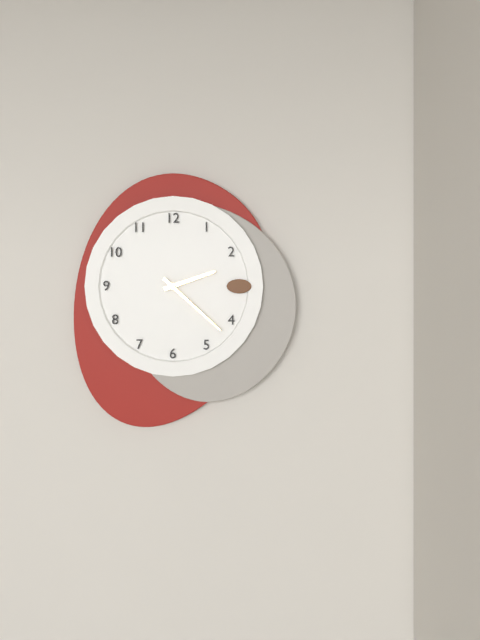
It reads 2:22
